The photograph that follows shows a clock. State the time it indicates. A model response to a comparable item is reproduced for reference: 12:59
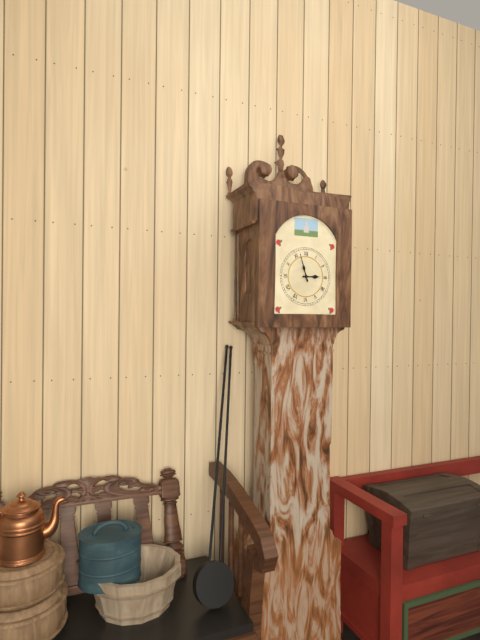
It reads 2:57
